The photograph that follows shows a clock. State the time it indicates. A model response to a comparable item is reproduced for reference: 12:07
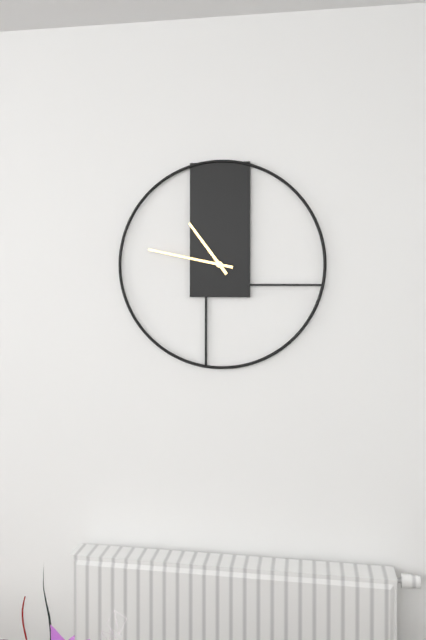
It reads 10:47
